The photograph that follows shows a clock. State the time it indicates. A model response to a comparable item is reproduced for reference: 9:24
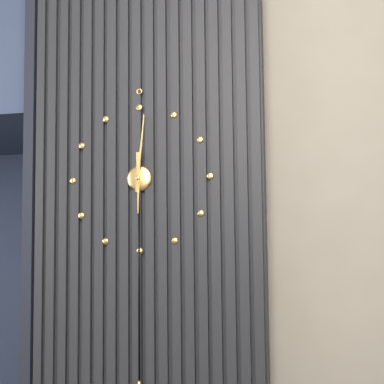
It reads 6:01
